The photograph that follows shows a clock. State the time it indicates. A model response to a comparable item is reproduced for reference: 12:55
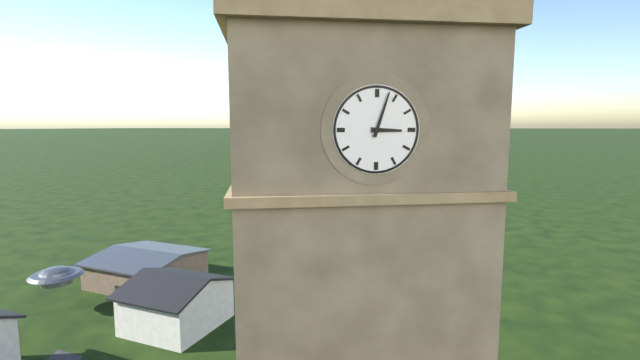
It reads 3:03
